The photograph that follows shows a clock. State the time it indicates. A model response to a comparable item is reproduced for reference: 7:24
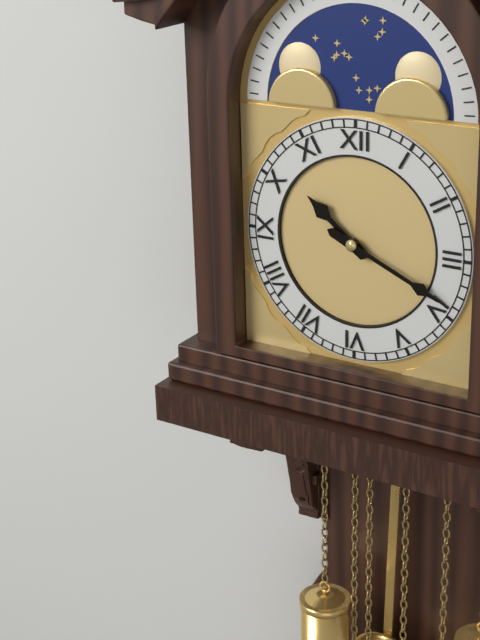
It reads 10:19
